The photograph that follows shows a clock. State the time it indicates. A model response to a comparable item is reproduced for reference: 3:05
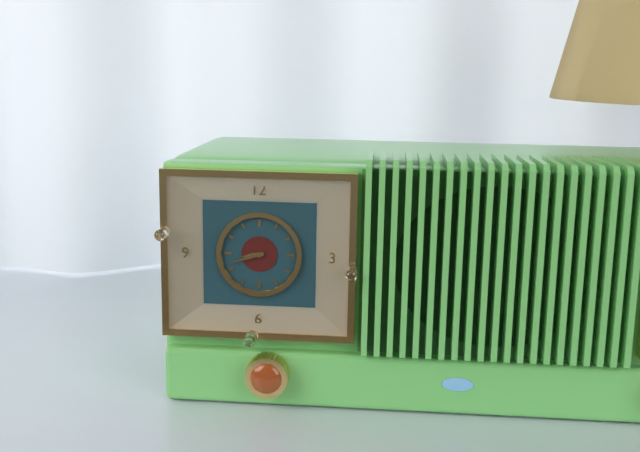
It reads 8:42
